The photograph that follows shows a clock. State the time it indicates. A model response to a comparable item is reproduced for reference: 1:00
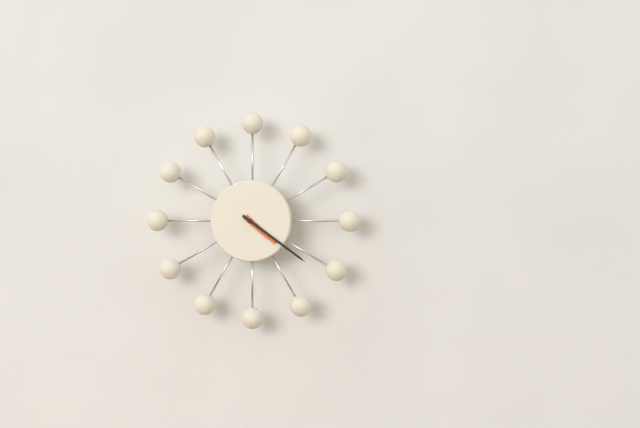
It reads 4:21
